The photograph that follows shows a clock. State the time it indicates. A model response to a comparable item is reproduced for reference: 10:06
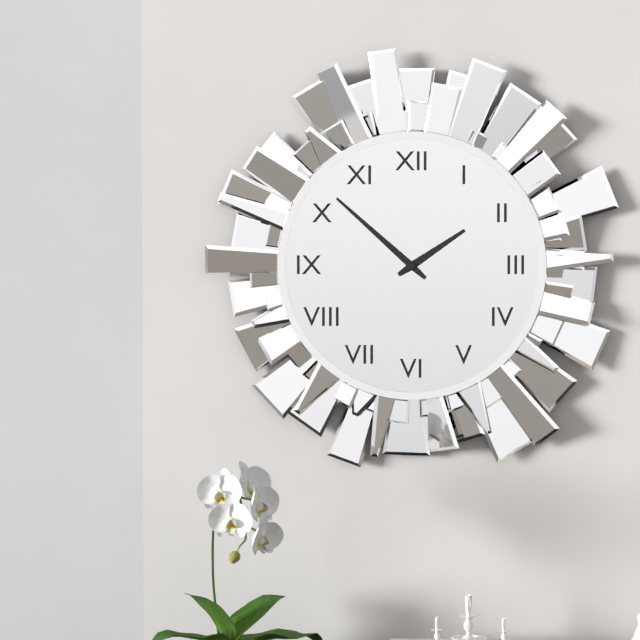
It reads 1:52
